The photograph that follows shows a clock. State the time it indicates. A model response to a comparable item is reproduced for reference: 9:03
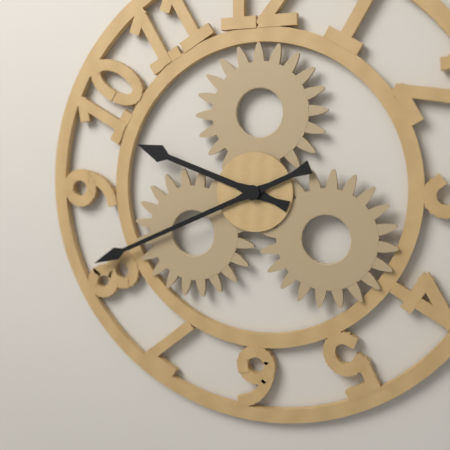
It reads 9:41
